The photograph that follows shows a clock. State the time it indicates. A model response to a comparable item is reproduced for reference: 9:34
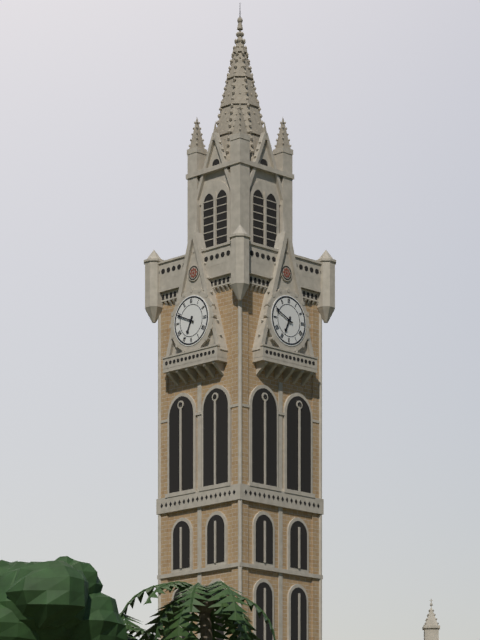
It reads 6:49
